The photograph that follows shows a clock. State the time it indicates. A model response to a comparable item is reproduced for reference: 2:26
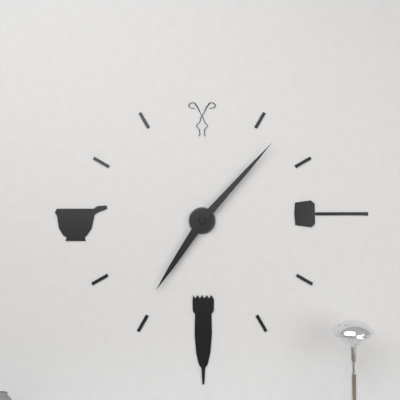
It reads 7:07
